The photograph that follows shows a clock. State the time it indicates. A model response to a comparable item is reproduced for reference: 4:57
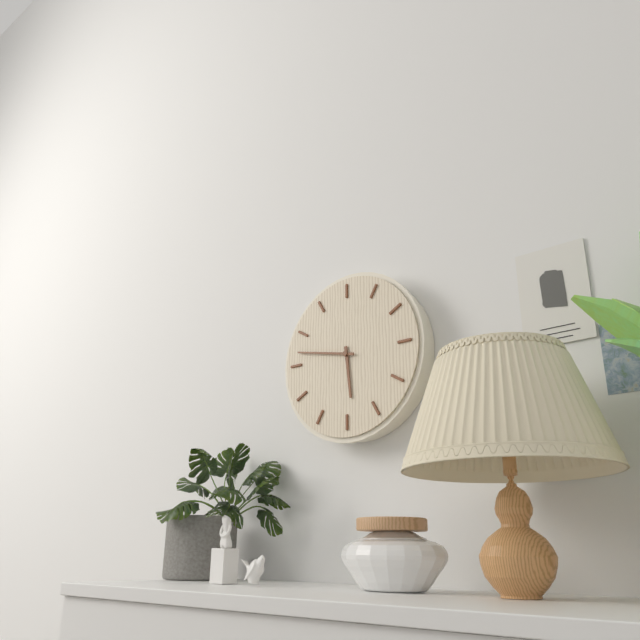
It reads 5:47
